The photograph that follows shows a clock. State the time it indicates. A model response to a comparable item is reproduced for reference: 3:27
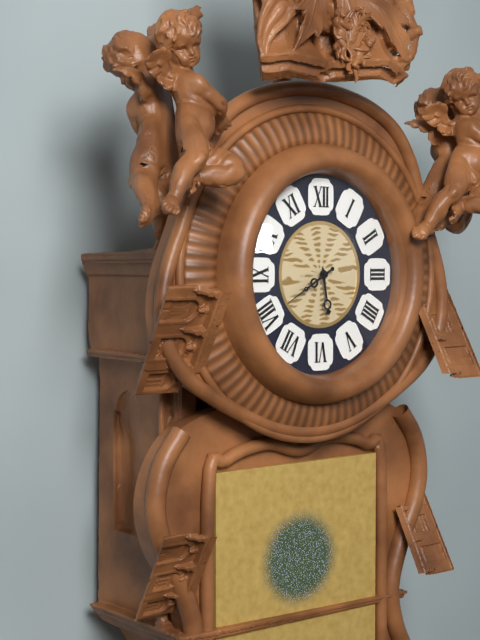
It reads 5:40
